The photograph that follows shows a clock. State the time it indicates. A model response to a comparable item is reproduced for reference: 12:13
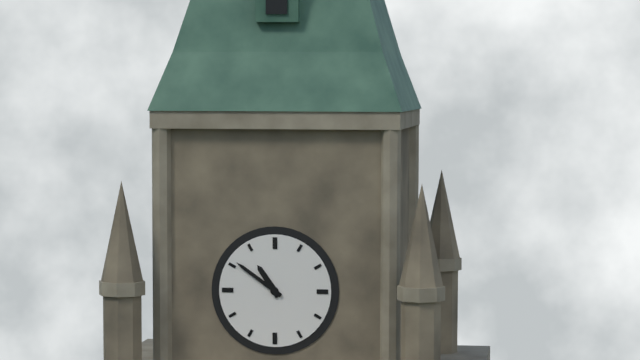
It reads 10:51
